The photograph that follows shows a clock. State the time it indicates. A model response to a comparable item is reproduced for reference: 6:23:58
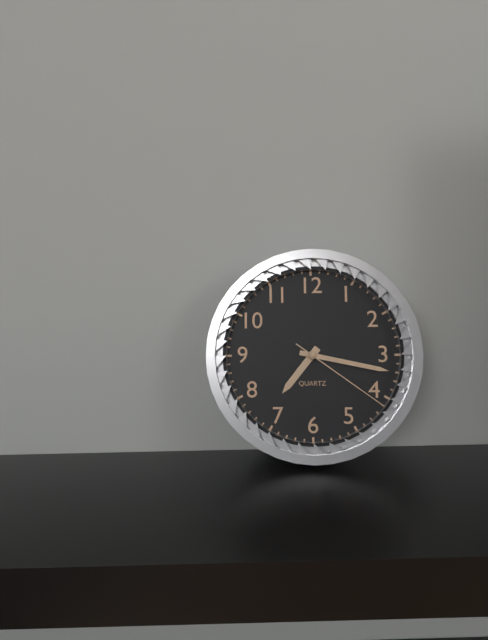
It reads 7:17:21
